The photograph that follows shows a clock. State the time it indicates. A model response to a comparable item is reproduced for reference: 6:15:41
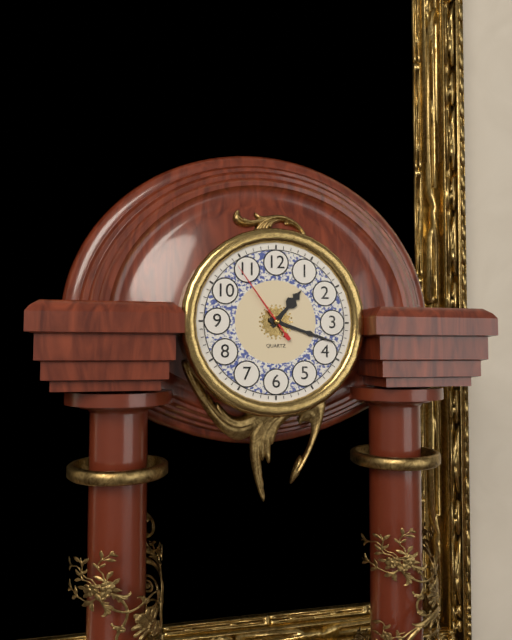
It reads 1:18:54
